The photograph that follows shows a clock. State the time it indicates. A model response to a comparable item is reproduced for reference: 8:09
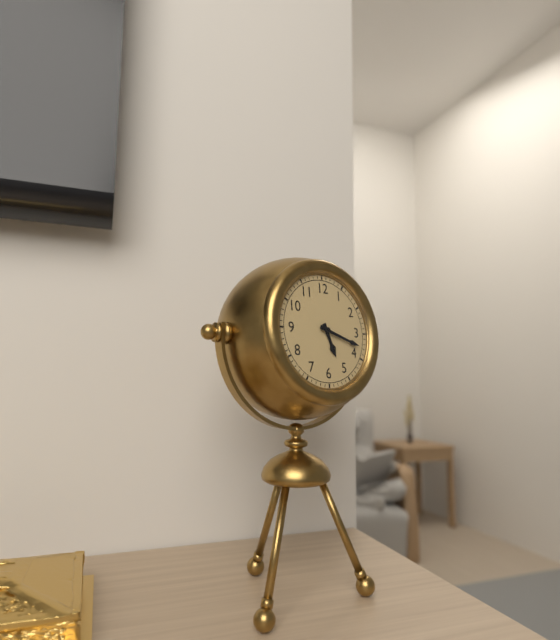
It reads 5:18
